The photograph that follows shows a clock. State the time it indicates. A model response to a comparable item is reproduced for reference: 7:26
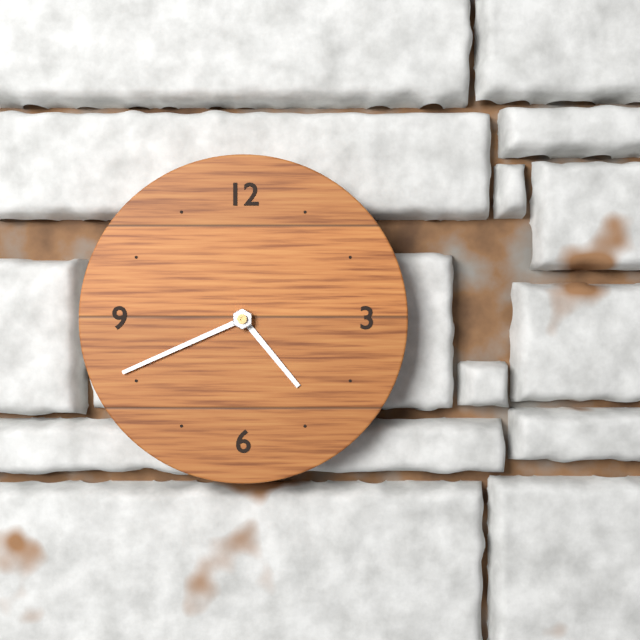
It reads 4:41
